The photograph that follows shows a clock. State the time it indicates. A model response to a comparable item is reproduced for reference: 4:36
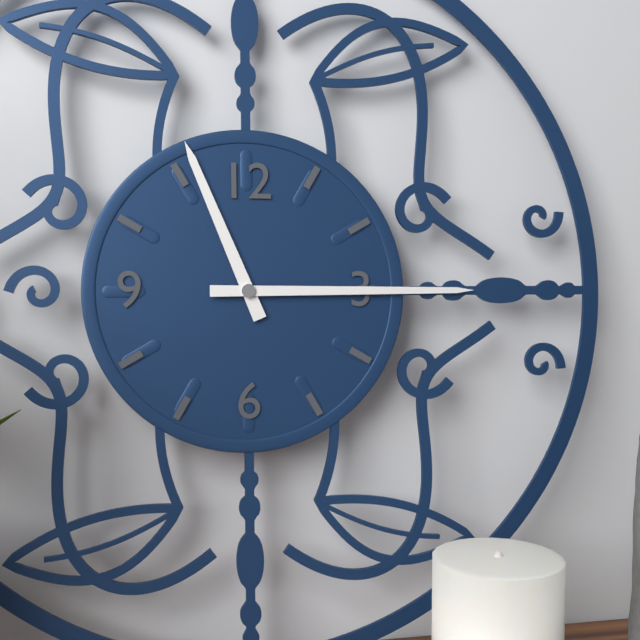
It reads 11:15
